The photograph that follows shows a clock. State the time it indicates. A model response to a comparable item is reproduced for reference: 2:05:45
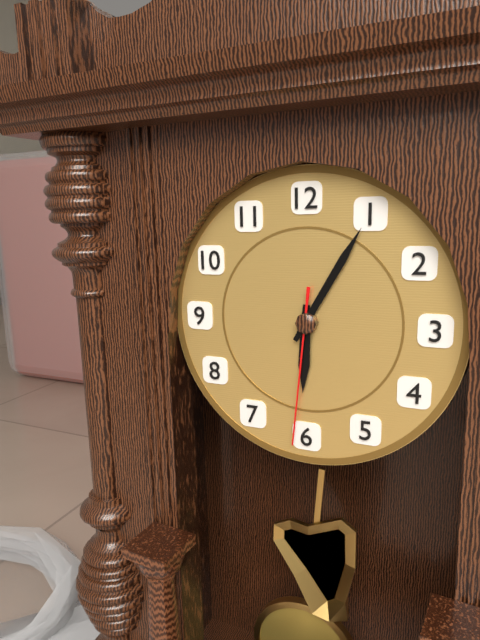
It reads 6:05:31
